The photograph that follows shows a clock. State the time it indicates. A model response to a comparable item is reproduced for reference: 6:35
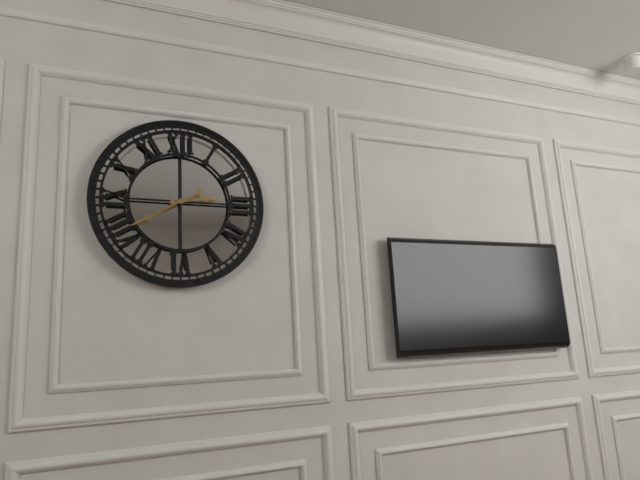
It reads 2:40
